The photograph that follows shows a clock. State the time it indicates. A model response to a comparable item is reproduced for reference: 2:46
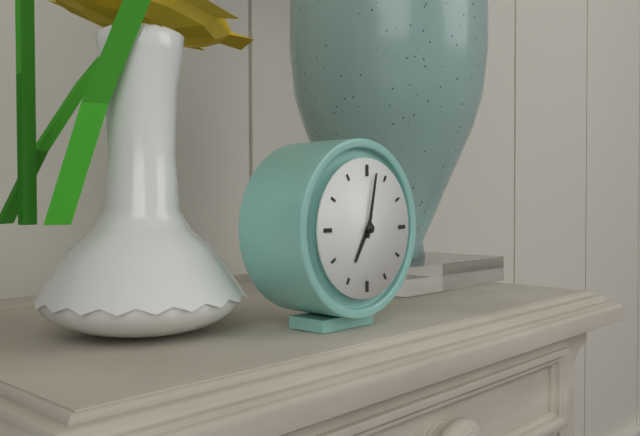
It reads 7:02
